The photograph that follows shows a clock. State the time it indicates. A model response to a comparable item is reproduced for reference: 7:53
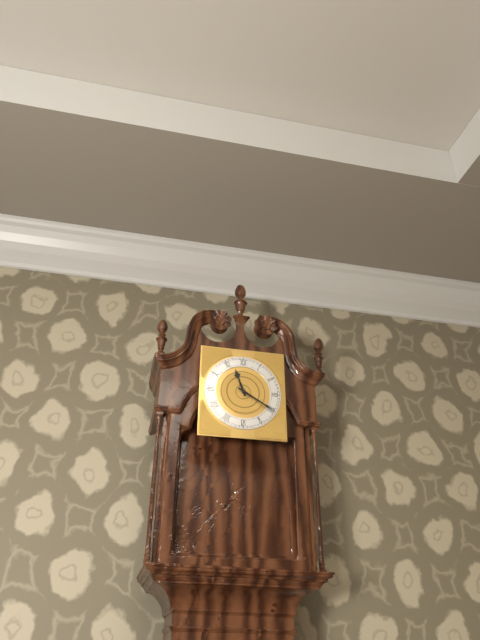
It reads 11:20
